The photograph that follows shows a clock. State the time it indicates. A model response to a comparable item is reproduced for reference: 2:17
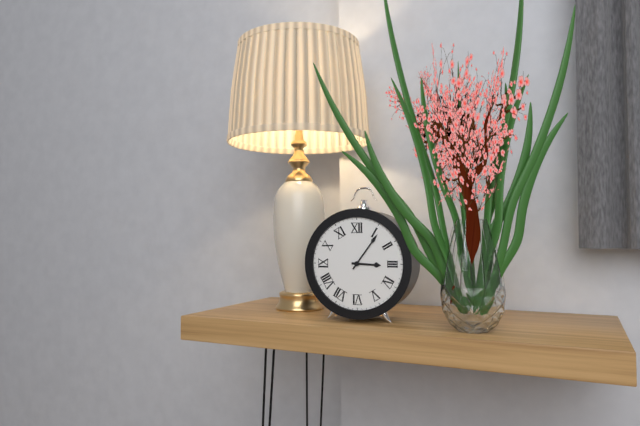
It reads 3:06
